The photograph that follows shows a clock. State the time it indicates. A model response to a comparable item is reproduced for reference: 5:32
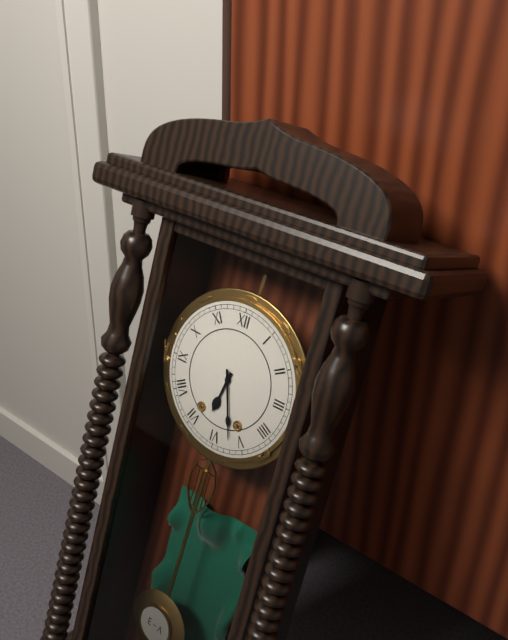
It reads 6:27
